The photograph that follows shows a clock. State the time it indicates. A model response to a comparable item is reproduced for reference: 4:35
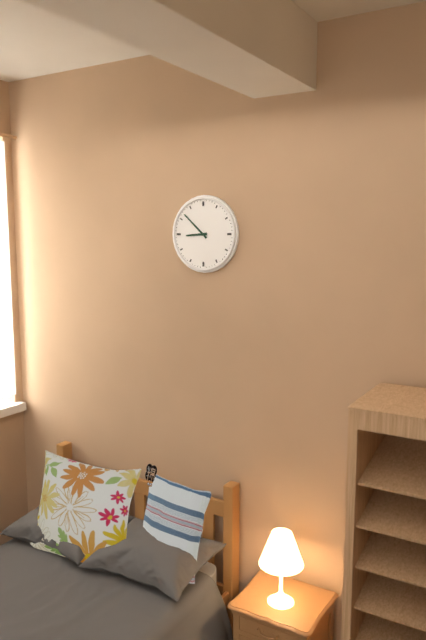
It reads 8:52
